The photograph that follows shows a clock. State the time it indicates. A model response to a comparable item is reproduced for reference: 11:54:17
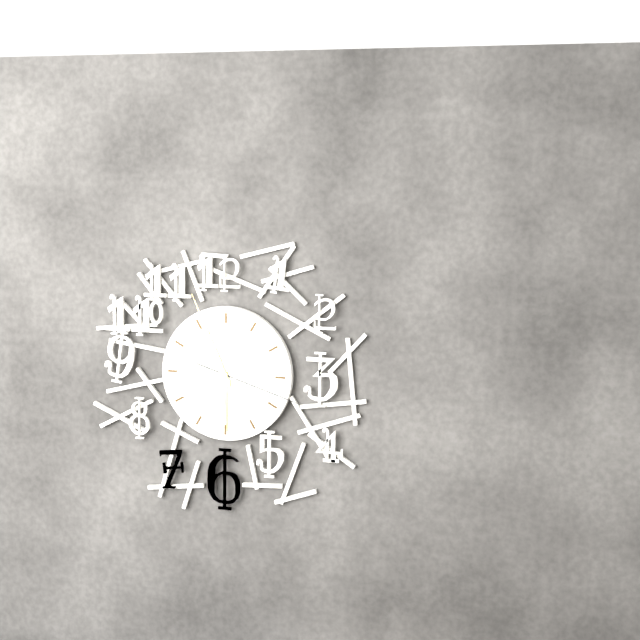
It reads 5:56:18
